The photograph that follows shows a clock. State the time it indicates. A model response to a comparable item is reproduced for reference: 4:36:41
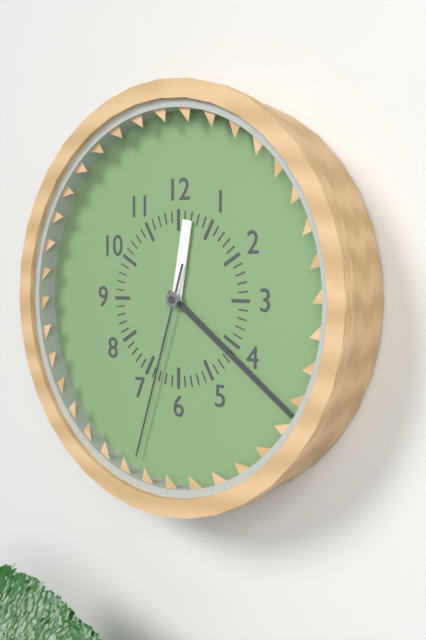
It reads 12:21:33
